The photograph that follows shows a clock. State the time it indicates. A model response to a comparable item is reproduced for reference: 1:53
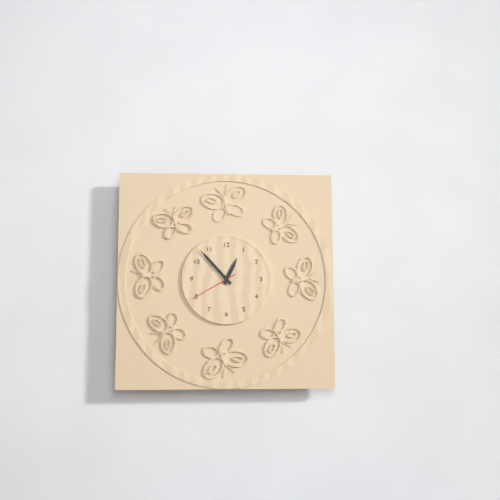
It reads 12:53
